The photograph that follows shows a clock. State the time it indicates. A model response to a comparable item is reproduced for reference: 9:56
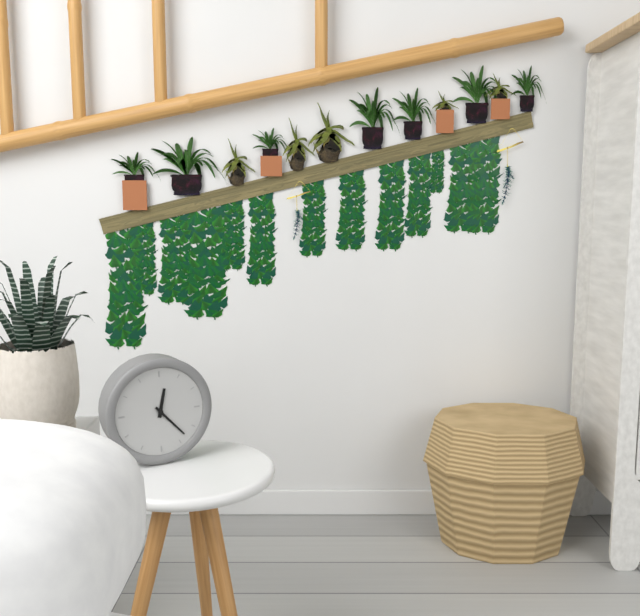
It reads 12:23
